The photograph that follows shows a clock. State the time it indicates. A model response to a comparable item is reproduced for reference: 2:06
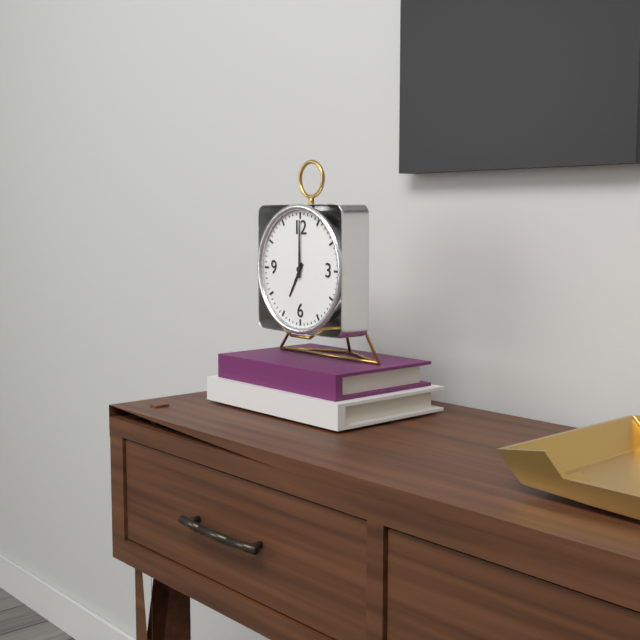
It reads 7:00
